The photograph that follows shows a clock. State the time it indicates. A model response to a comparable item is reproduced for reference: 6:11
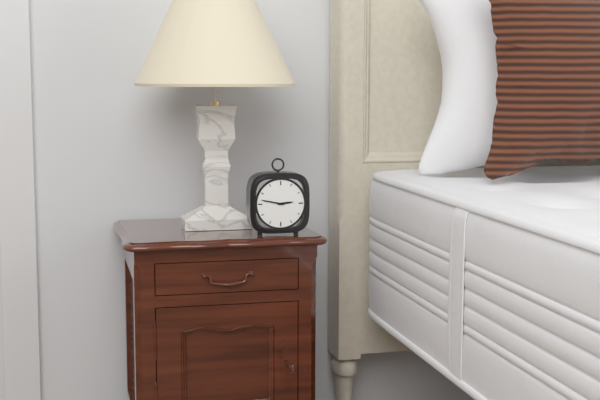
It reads 2:47
